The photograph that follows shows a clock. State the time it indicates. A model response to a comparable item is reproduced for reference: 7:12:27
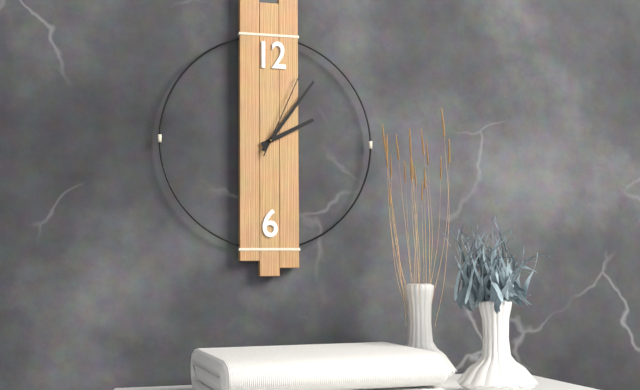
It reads 2:06:04
